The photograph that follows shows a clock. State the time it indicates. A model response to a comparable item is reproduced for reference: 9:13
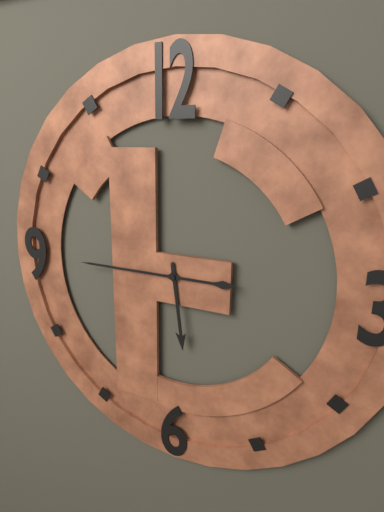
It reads 5:45
